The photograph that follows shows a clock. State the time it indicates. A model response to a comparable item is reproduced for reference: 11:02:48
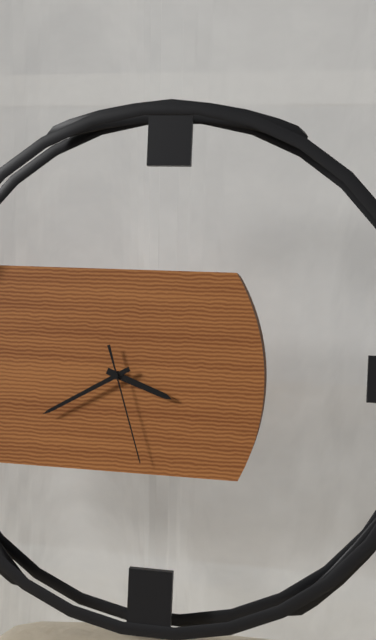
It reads 3:40:27
